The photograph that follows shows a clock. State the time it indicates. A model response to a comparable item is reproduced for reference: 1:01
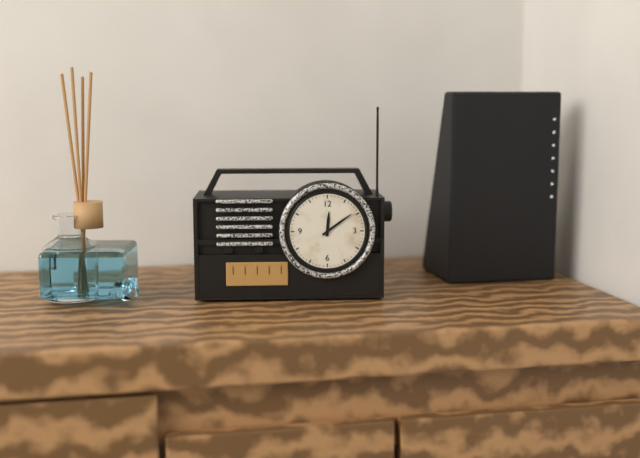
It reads 12:09
